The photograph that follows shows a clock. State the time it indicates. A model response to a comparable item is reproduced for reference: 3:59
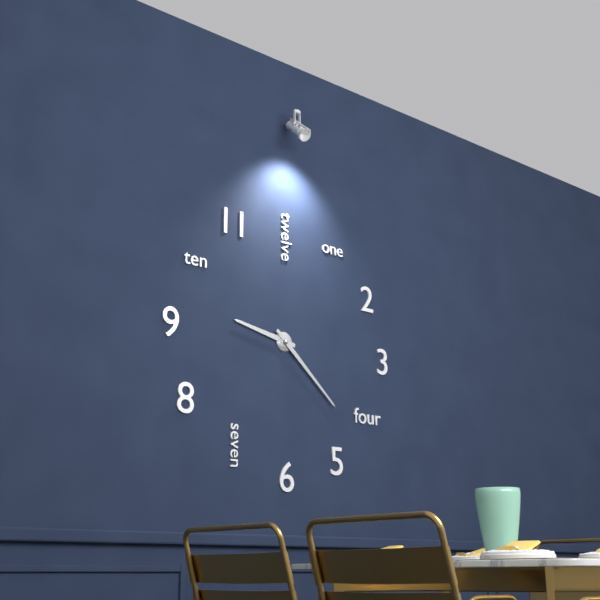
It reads 9:22
